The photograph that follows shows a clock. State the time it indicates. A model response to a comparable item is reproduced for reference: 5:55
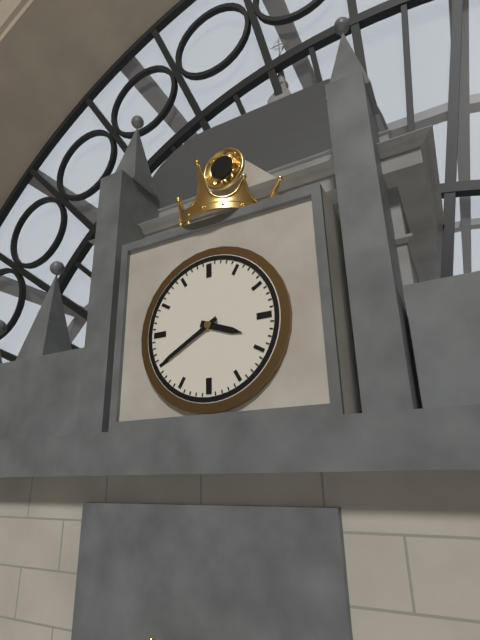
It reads 3:40
